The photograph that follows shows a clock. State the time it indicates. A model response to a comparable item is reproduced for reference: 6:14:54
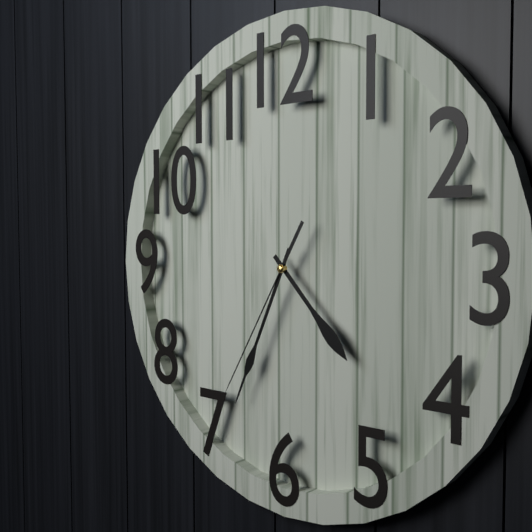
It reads 4:34:35
